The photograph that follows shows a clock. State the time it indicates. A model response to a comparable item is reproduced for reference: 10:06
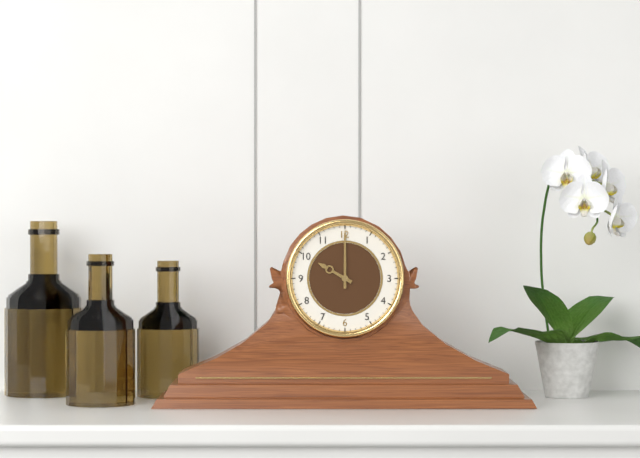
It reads 10:00
